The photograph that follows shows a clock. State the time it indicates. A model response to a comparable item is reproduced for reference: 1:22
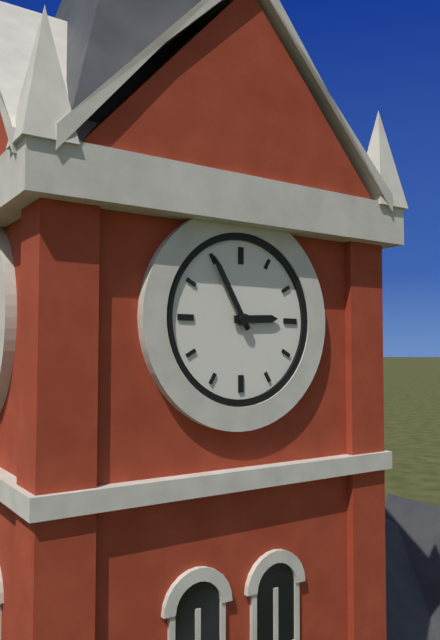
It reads 2:55
